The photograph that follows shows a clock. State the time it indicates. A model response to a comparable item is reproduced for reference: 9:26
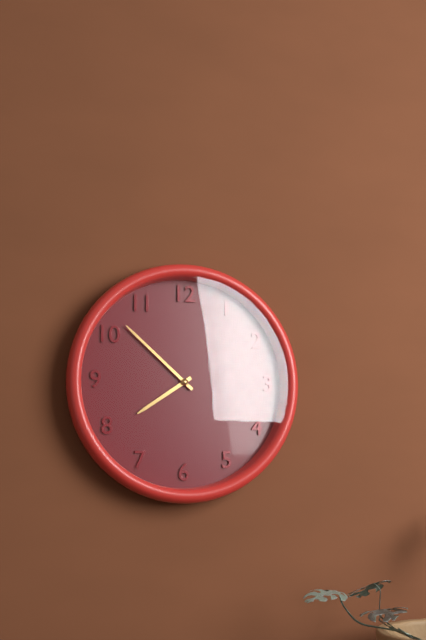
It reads 7:52
